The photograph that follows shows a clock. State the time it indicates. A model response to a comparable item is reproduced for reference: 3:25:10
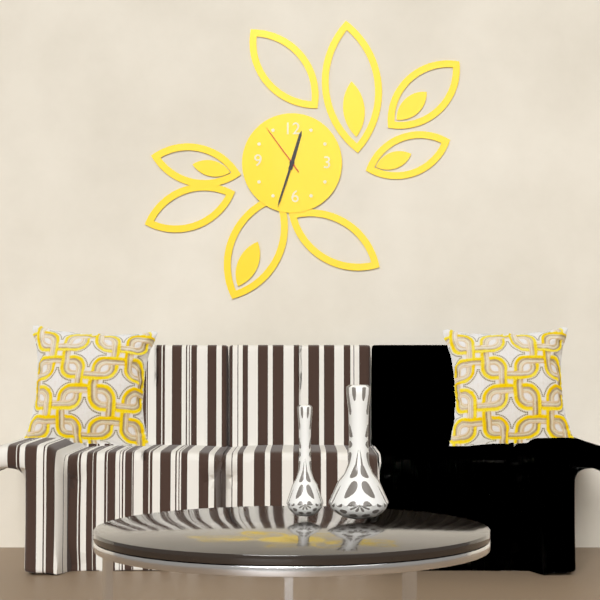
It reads 12:33:54
